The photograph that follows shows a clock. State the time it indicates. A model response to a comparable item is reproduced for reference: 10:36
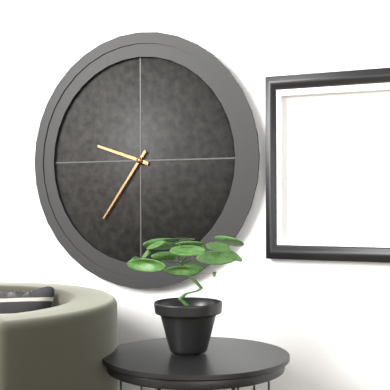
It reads 9:36
